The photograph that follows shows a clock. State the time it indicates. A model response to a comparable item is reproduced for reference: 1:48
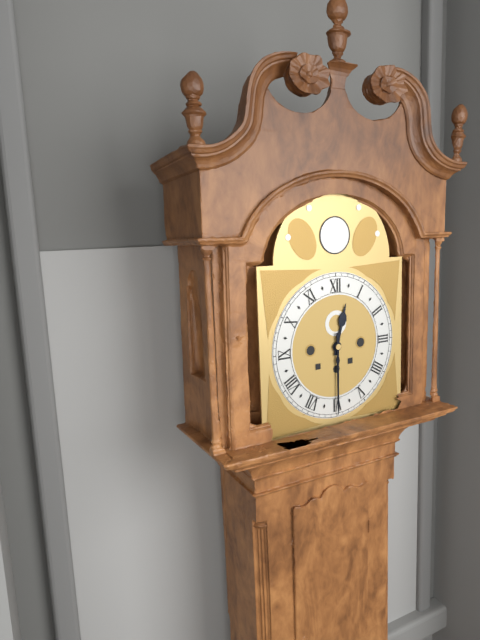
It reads 12:30
